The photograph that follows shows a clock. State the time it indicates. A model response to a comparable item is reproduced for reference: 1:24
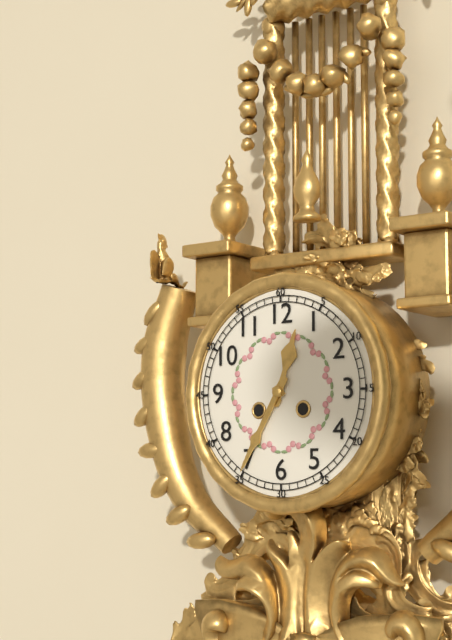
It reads 12:35
